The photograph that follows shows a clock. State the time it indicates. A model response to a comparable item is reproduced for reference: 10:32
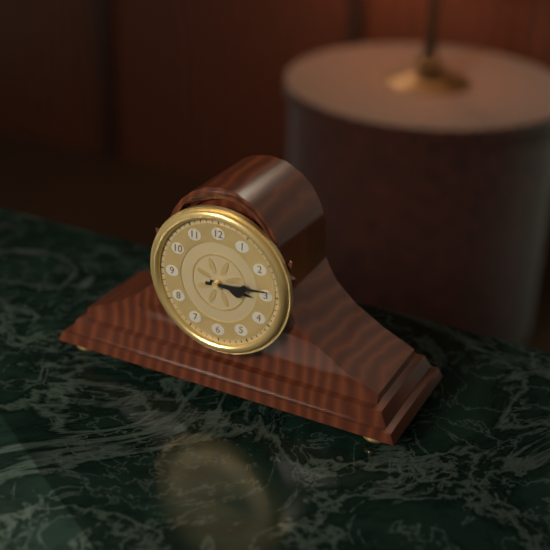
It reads 3:14
